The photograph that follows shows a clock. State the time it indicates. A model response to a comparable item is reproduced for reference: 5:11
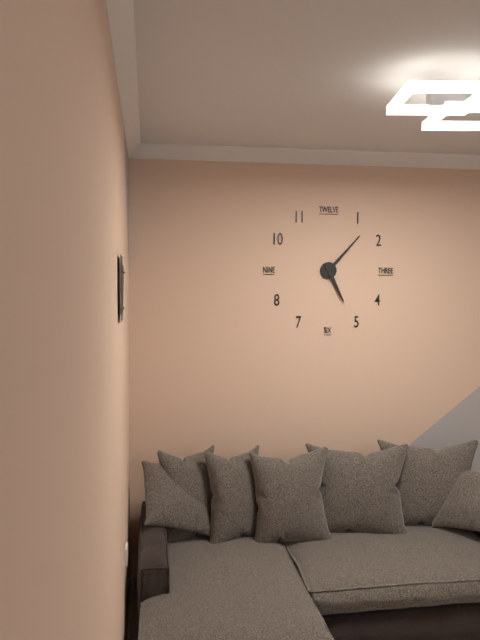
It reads 5:07
